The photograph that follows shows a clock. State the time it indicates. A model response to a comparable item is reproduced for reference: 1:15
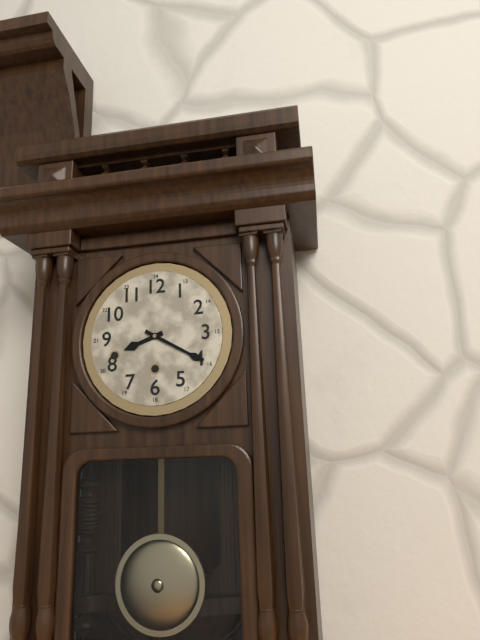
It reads 8:20
